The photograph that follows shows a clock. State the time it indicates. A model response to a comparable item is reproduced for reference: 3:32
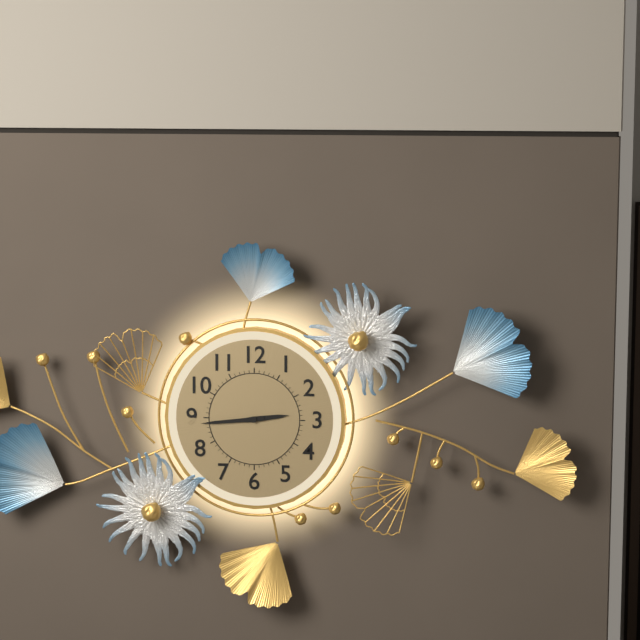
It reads 2:44
